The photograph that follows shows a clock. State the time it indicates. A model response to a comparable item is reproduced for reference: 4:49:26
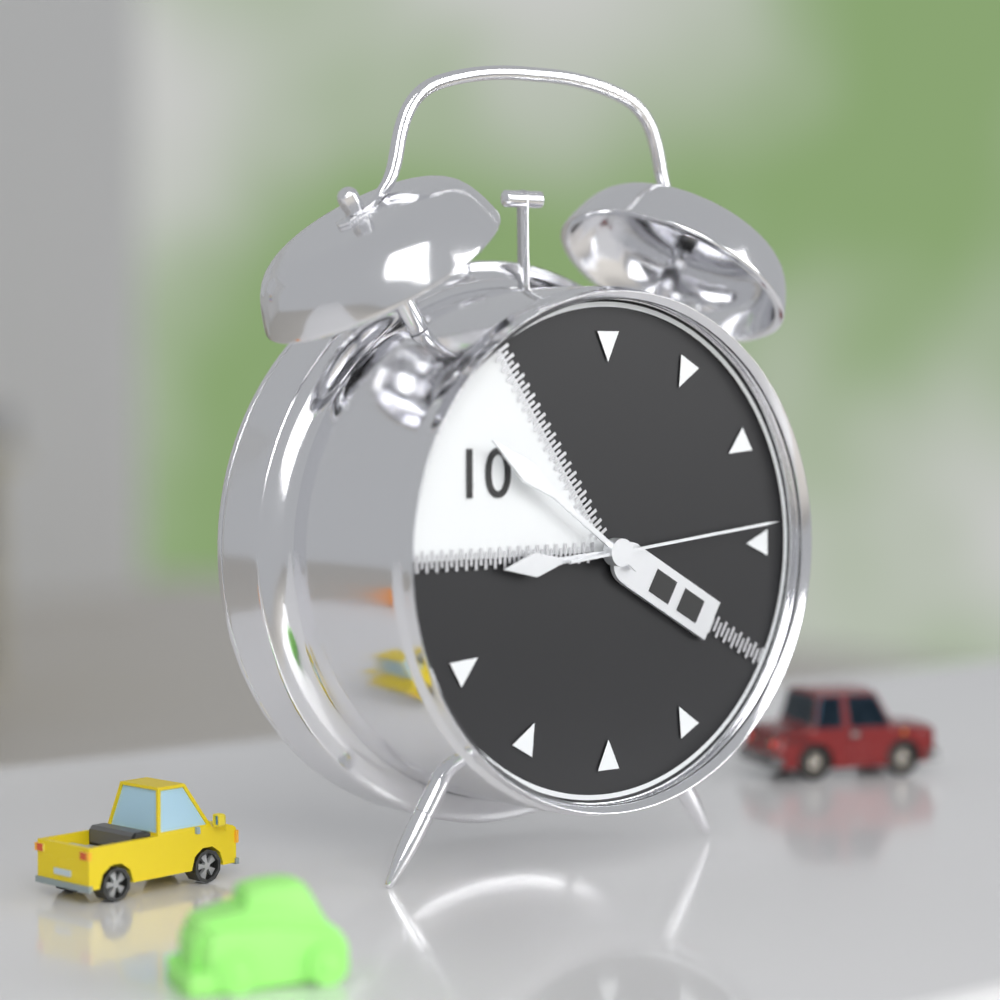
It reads 8:51:14
